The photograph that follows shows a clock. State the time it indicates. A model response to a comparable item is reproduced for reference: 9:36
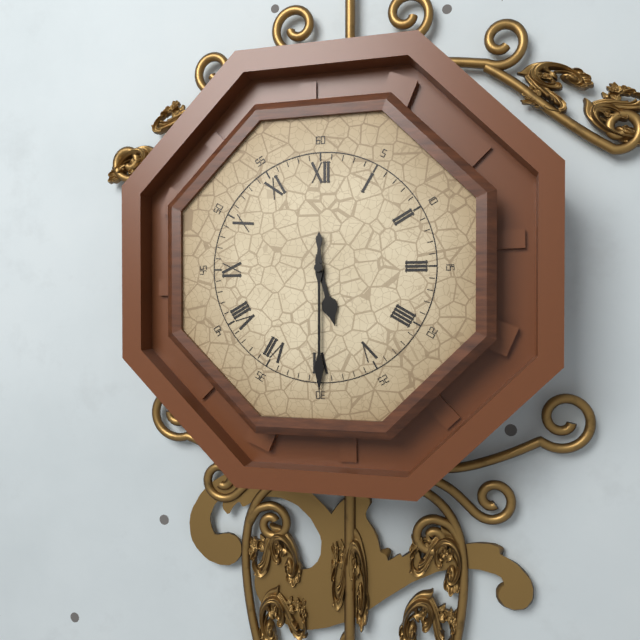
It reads 5:30
